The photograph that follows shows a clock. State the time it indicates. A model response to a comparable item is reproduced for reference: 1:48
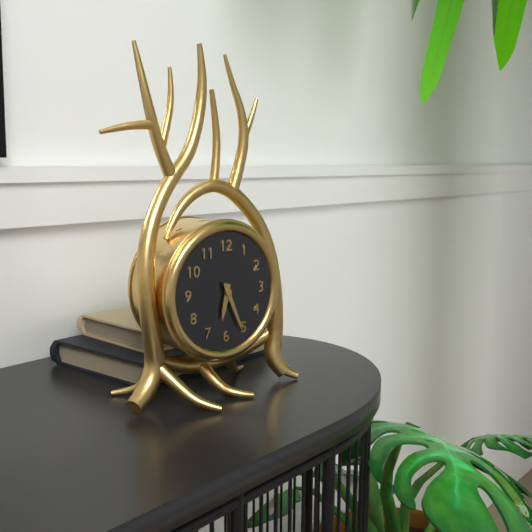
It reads 6:26
